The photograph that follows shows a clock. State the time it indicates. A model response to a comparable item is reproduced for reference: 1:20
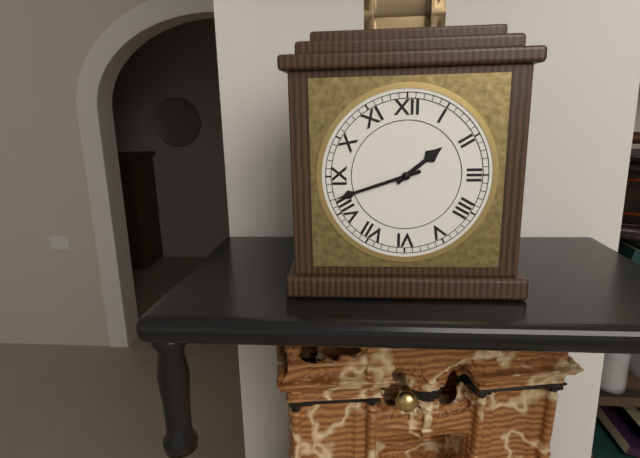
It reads 1:42
